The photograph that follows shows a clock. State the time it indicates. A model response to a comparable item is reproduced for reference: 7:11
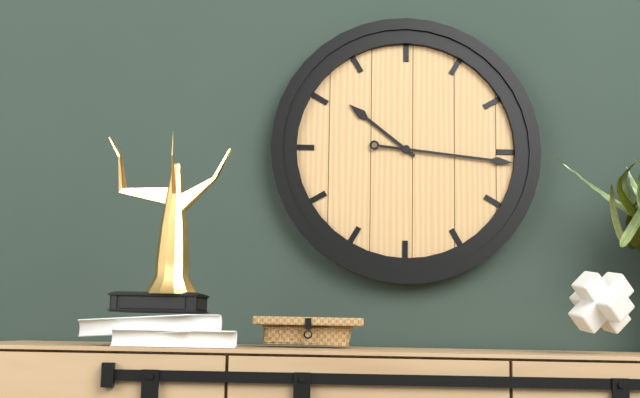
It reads 10:16
